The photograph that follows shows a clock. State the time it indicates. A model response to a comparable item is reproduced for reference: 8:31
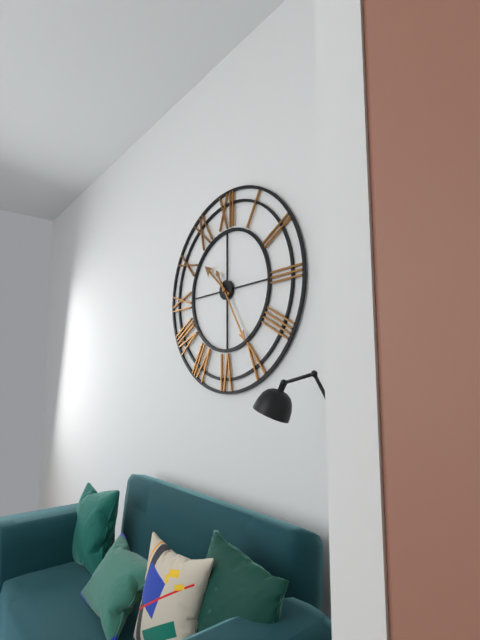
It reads 10:25
